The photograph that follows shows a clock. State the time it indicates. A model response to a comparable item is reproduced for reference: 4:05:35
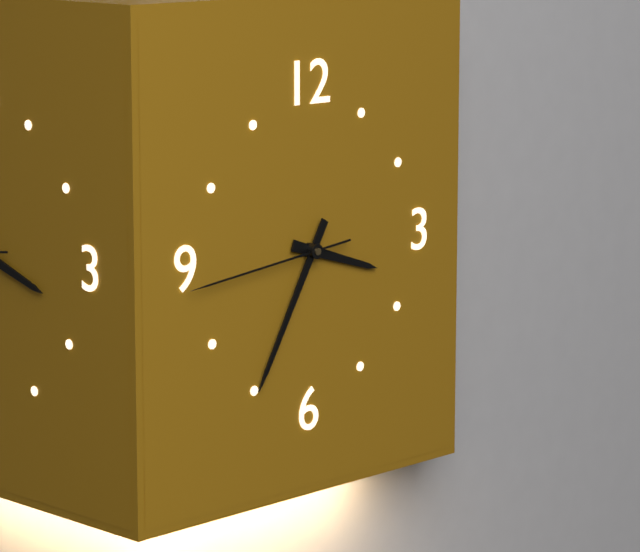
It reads 3:35:44
